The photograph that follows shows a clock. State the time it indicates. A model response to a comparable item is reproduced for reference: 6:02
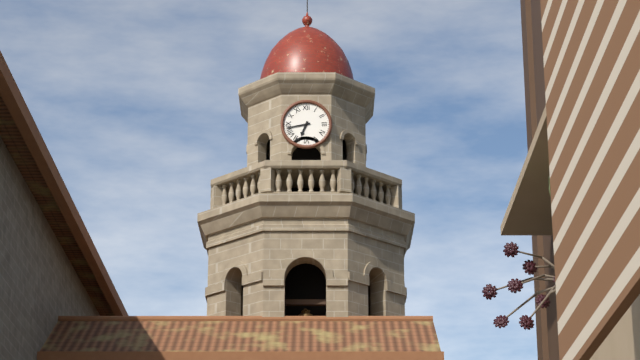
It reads 6:43
